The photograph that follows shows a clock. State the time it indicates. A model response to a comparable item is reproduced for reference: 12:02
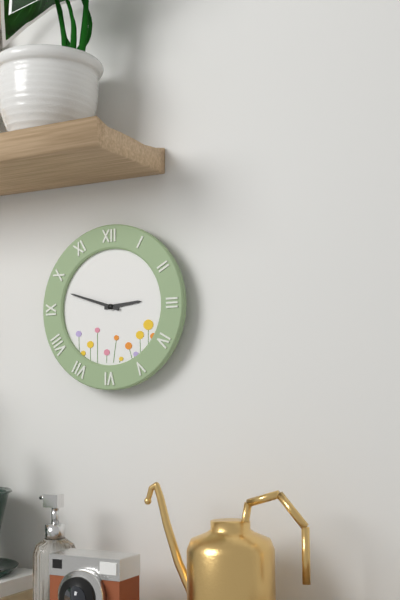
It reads 2:48
